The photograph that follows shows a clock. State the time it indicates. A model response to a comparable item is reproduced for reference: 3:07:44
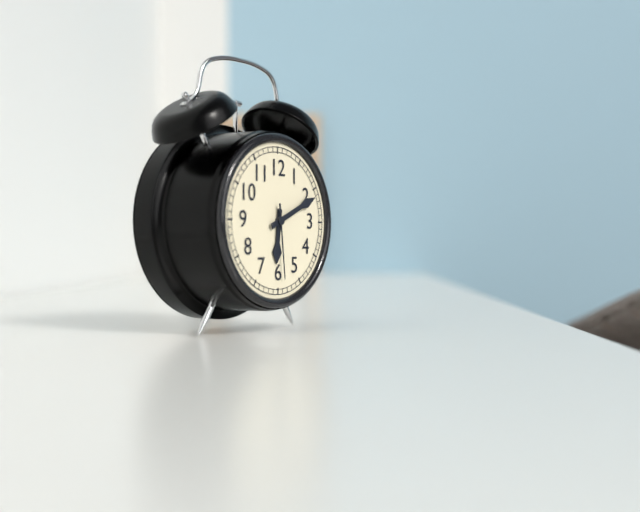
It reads 6:11:29
